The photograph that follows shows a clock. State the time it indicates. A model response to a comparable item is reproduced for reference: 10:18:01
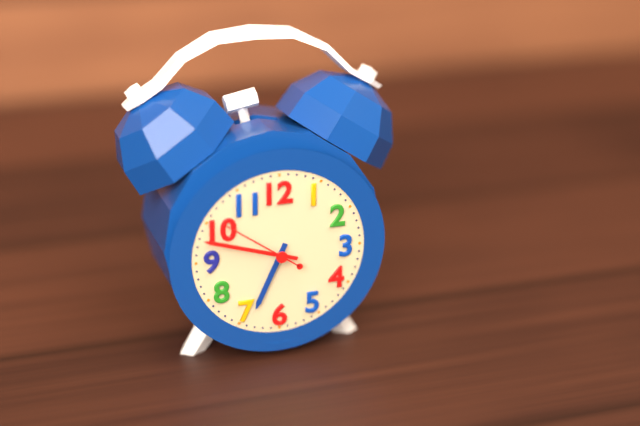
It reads 6:48:51
